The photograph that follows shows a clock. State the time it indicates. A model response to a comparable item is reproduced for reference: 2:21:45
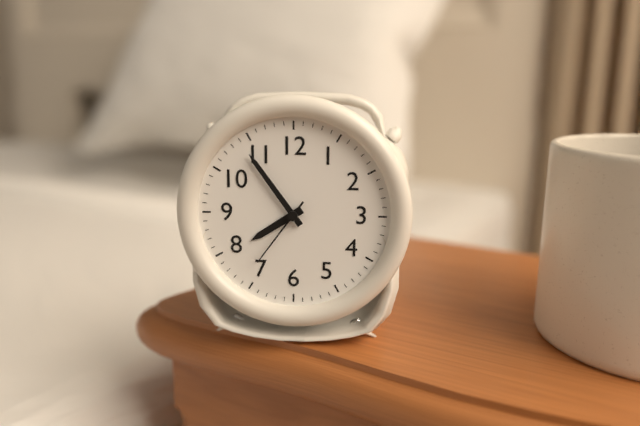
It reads 7:54:36
